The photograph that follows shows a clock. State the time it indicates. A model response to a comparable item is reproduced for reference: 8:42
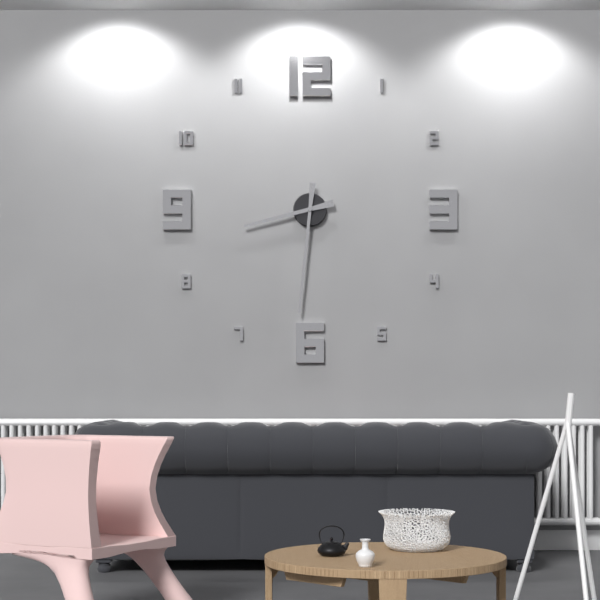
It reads 8:31
